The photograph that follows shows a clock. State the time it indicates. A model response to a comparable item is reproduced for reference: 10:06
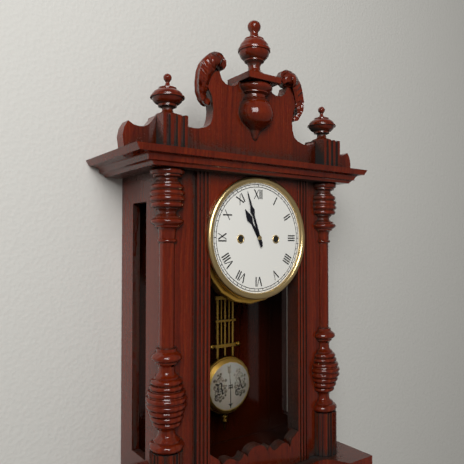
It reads 10:57
